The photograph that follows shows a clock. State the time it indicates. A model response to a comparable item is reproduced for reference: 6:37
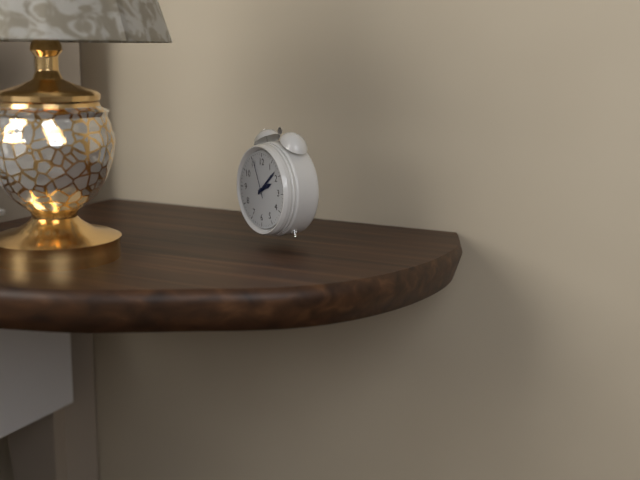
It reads 2:08
